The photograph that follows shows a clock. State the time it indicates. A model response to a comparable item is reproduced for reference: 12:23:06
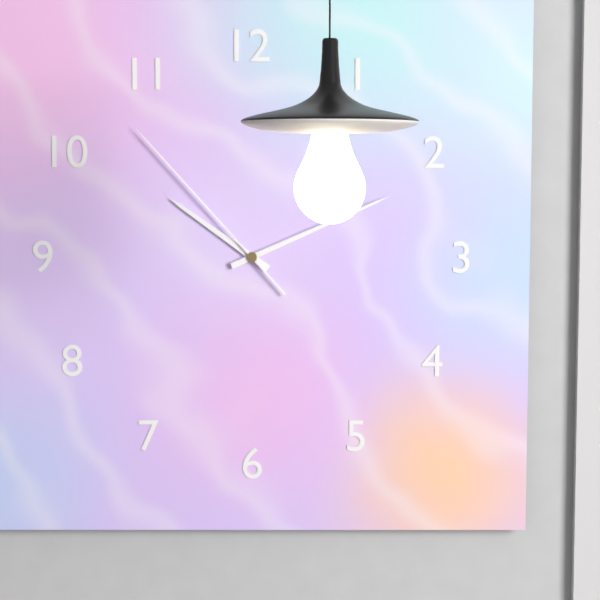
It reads 10:11:53
